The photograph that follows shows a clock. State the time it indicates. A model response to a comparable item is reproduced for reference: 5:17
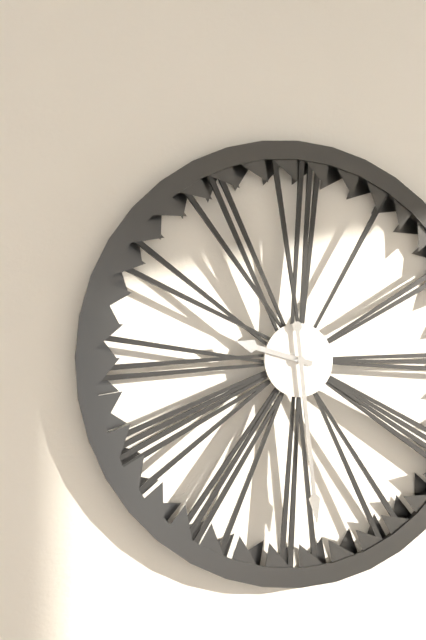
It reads 9:29
